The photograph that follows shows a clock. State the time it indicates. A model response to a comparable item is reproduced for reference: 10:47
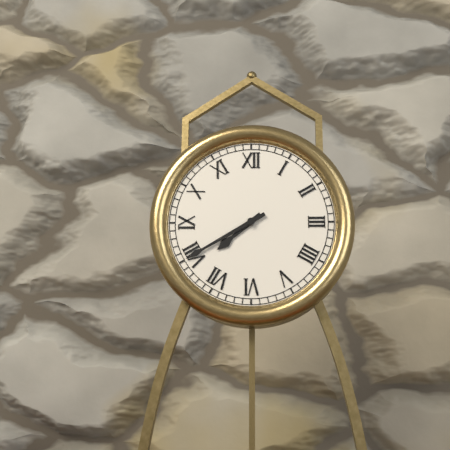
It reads 7:40
